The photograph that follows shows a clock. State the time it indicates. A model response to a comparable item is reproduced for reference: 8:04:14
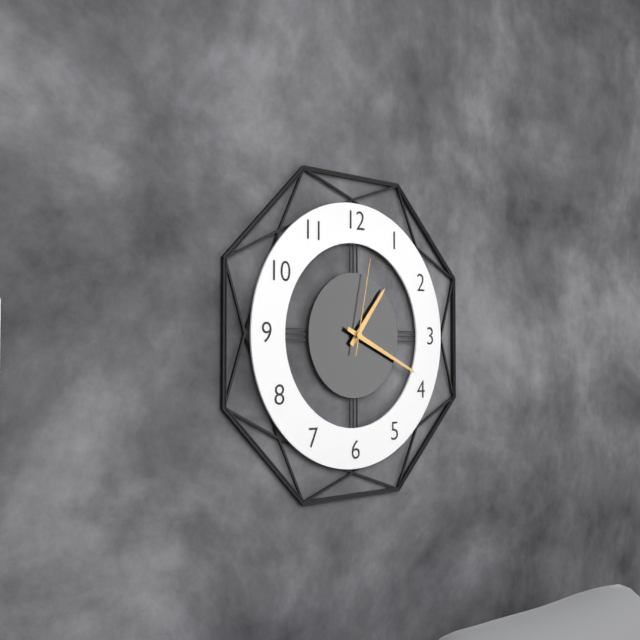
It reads 1:19:02
